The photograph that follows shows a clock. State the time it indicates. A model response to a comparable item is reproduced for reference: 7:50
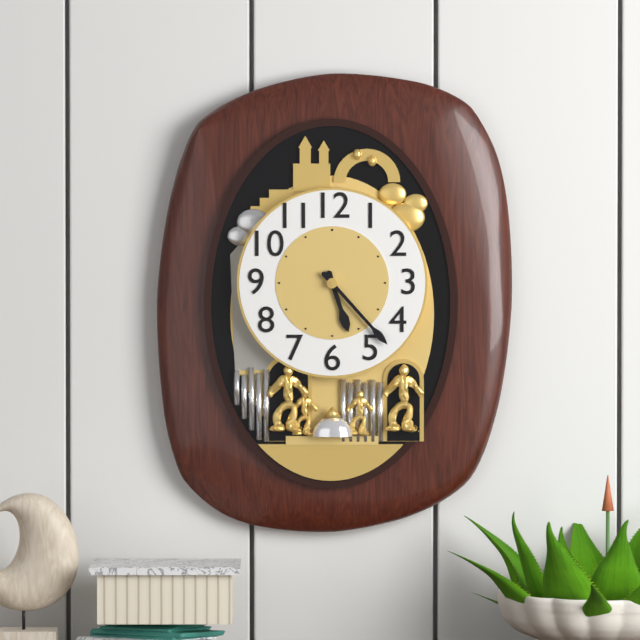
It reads 5:23
